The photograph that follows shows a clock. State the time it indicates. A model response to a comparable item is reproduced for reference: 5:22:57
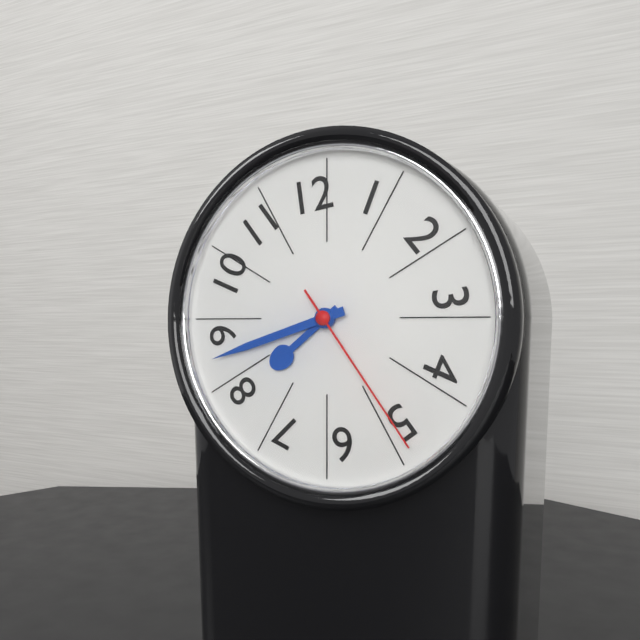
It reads 7:42:24
